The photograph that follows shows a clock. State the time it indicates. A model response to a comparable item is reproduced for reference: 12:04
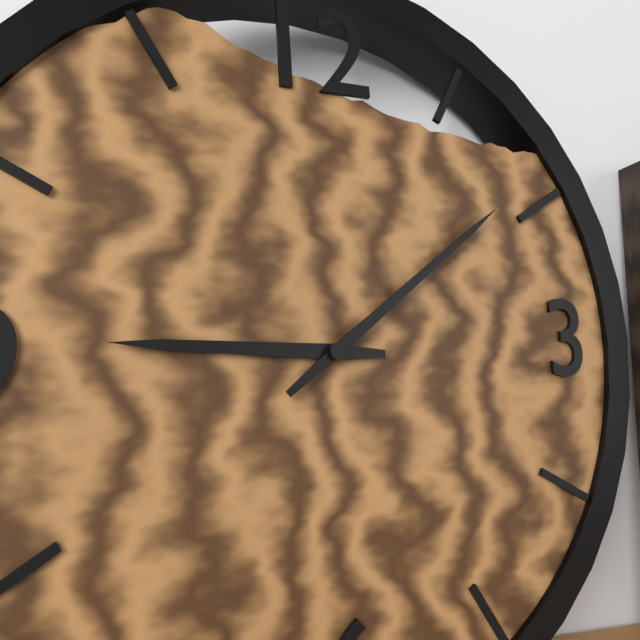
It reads 9:09
